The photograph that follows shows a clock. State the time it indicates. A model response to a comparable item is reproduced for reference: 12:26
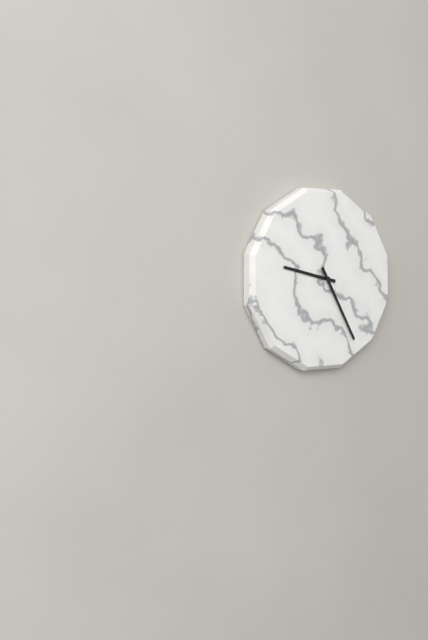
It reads 9:25
